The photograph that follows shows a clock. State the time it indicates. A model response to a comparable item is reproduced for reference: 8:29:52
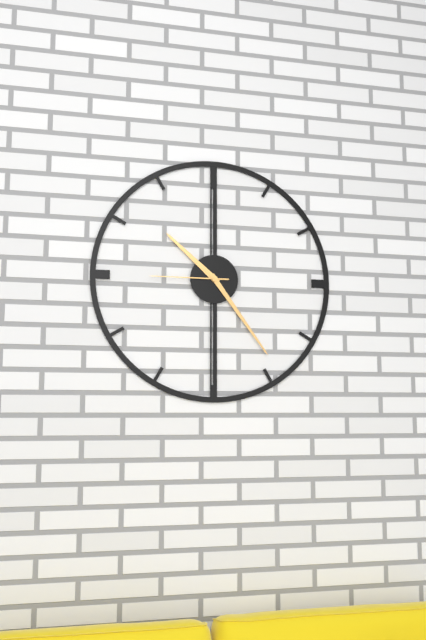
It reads 10:24:45
